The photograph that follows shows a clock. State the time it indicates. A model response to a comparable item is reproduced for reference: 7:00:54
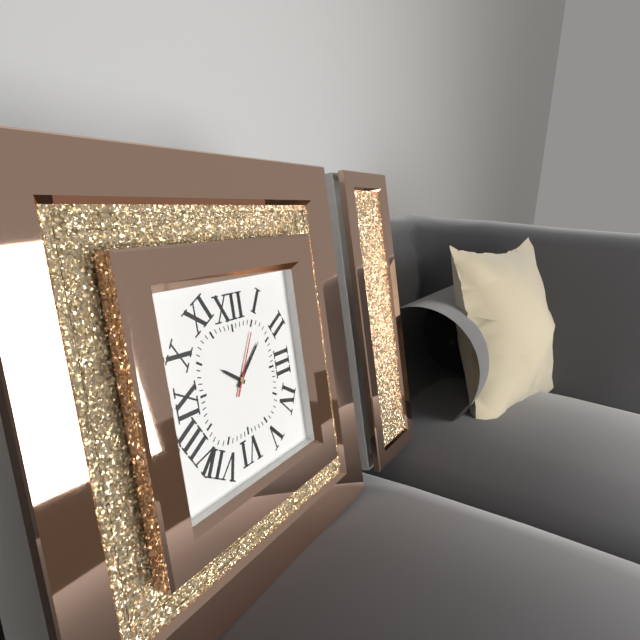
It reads 10:08:05
